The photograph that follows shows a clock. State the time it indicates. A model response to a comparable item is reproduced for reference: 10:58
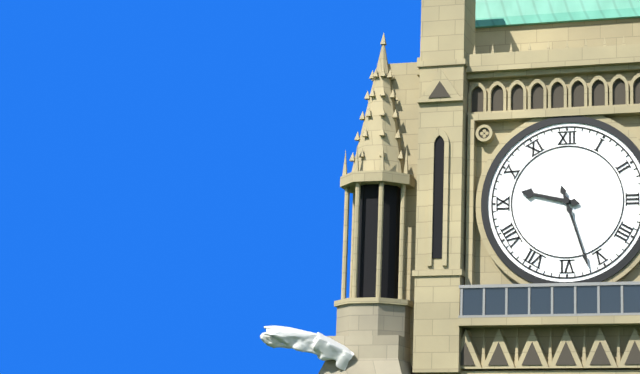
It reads 9:27
